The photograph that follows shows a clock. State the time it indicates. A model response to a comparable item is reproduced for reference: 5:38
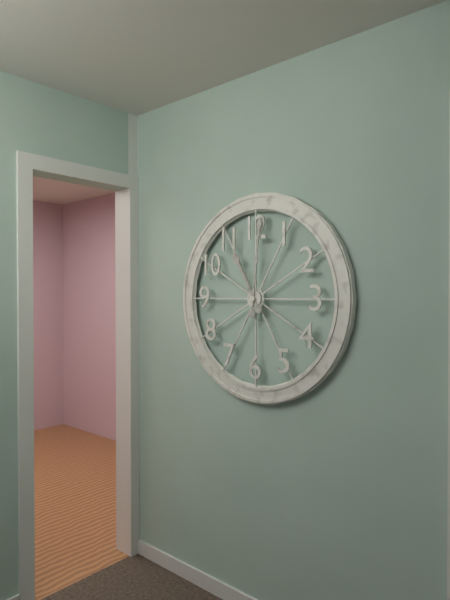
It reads 11:01
